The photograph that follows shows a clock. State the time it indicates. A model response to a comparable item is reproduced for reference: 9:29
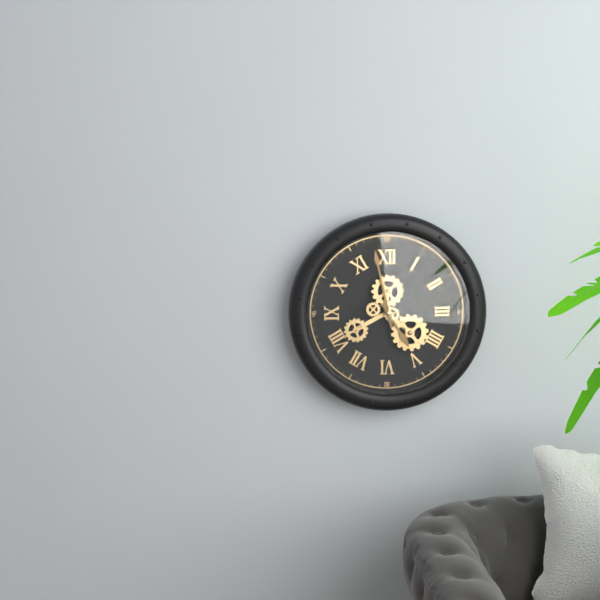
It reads 4:58
